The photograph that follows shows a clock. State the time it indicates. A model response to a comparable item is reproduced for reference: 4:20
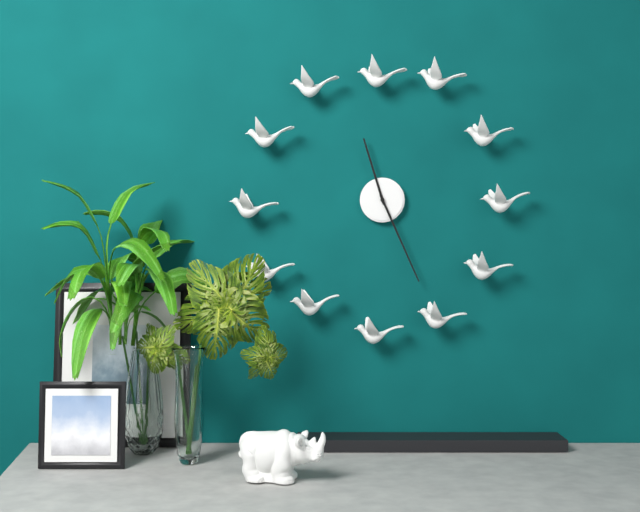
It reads 11:26
